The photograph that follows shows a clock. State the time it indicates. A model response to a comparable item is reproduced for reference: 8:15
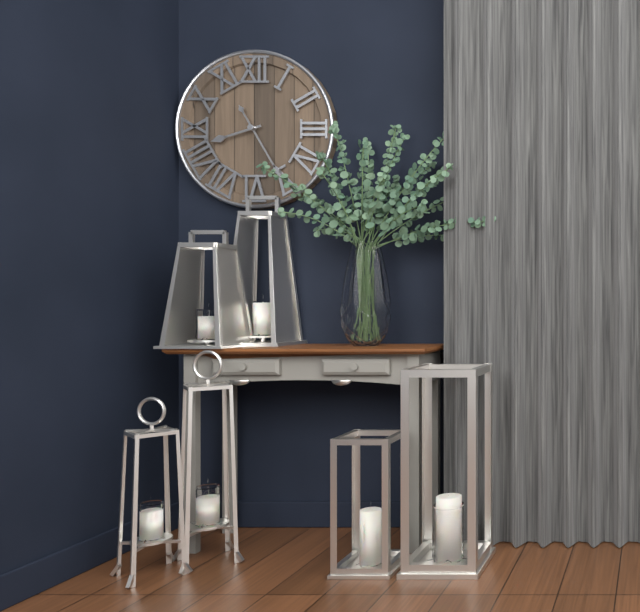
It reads 8:25
